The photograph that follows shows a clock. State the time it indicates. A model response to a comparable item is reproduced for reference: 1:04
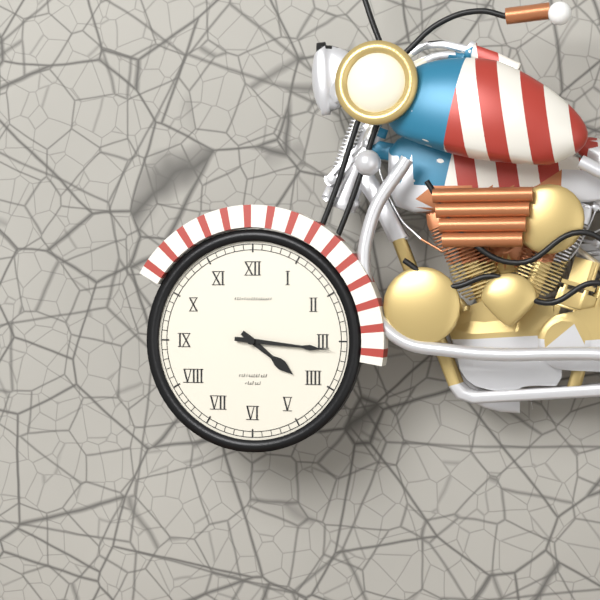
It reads 4:16
